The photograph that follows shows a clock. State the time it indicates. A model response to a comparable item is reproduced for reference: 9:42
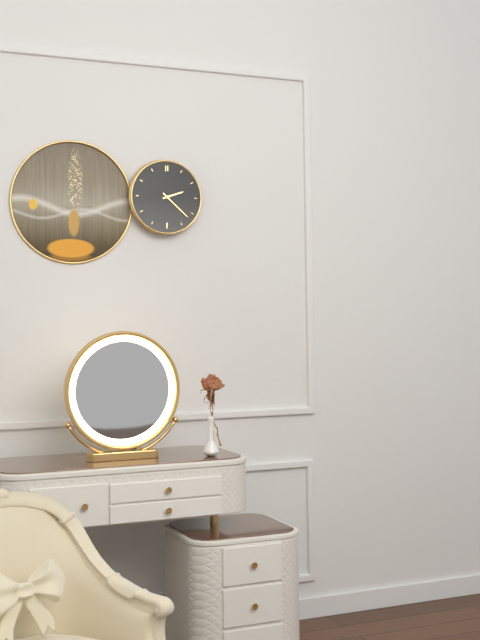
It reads 2:22
